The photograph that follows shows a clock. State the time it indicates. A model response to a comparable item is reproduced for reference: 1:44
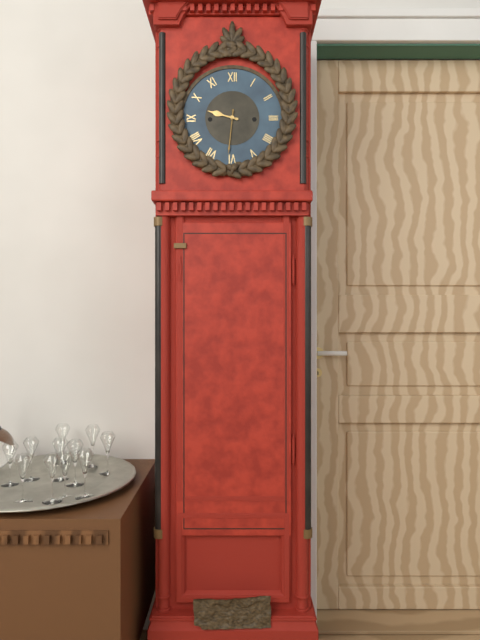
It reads 9:31
